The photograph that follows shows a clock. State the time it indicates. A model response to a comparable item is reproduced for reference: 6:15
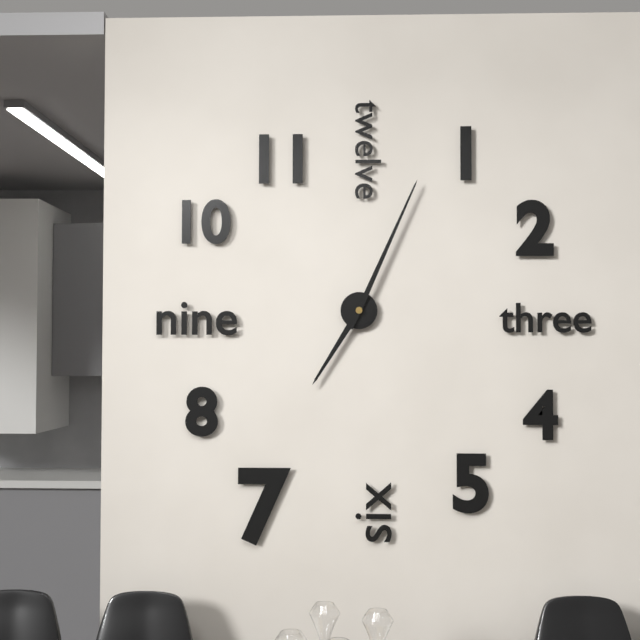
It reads 7:04
